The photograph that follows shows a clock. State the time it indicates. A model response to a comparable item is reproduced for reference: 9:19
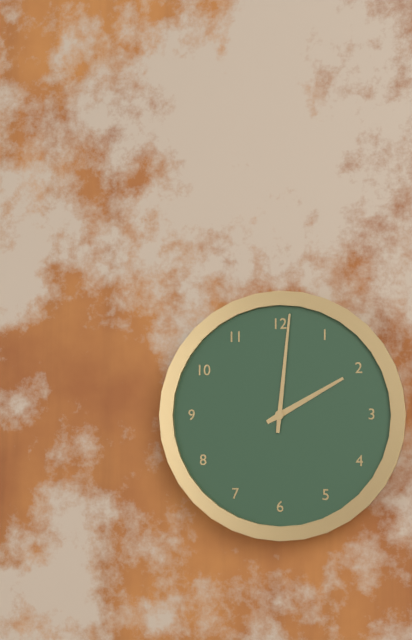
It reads 2:01
